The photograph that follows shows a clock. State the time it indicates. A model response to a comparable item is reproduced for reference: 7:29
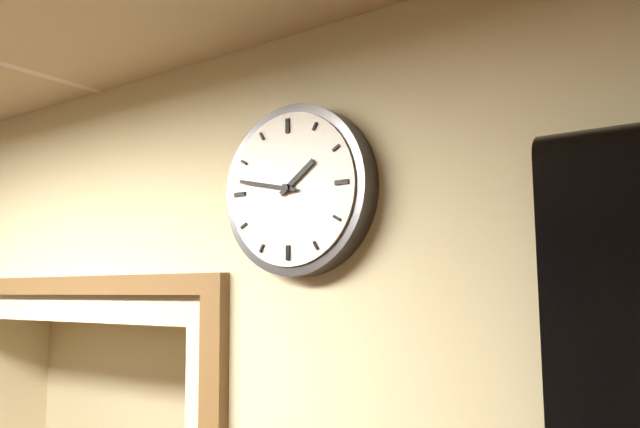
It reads 1:47
